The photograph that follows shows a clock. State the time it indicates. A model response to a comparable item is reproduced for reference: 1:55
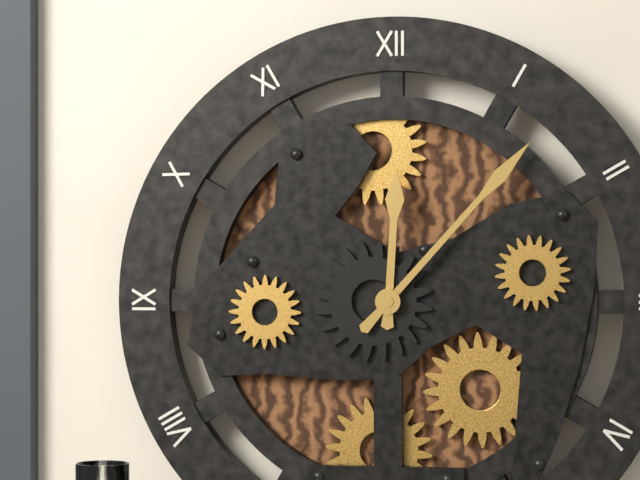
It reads 12:07
